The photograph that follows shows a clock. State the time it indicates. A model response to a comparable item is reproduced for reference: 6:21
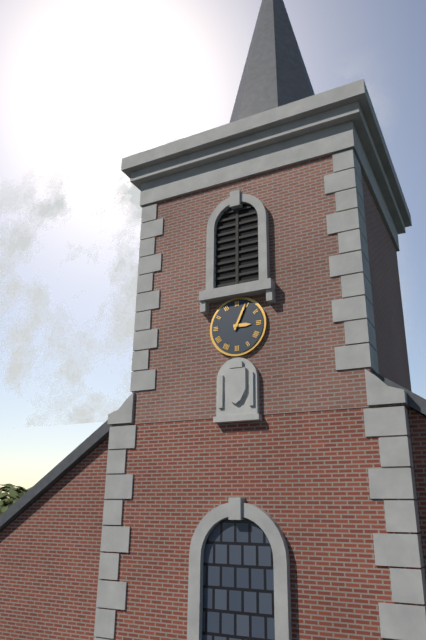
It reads 3:04
